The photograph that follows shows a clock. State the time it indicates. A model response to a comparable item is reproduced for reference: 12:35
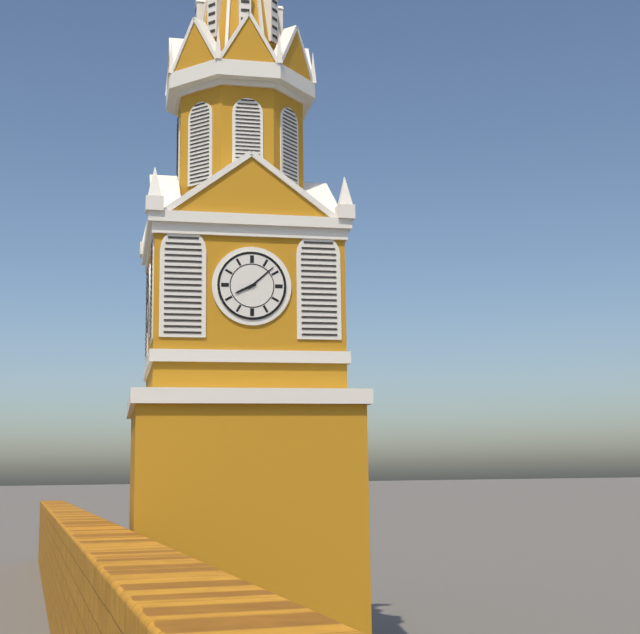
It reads 8:08
